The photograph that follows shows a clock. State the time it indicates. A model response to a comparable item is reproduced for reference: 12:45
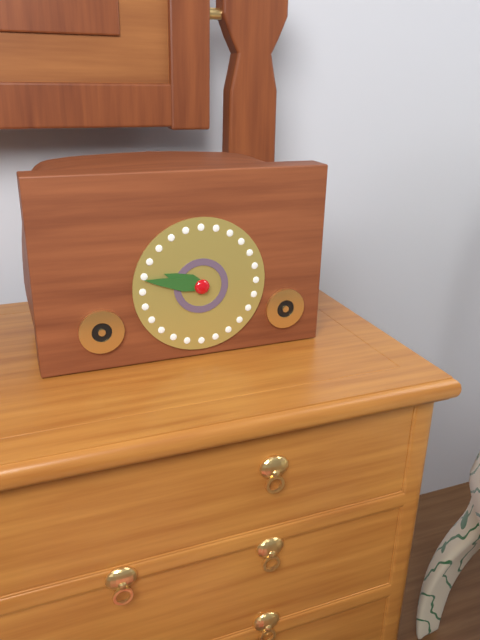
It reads 9:47
